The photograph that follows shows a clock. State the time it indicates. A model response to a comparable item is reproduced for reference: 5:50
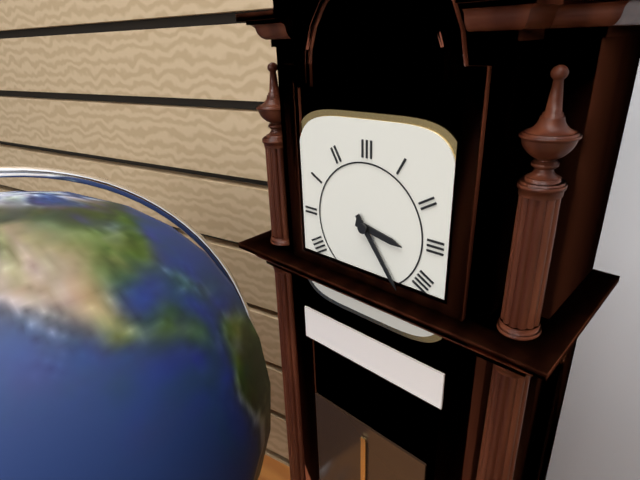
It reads 3:24
